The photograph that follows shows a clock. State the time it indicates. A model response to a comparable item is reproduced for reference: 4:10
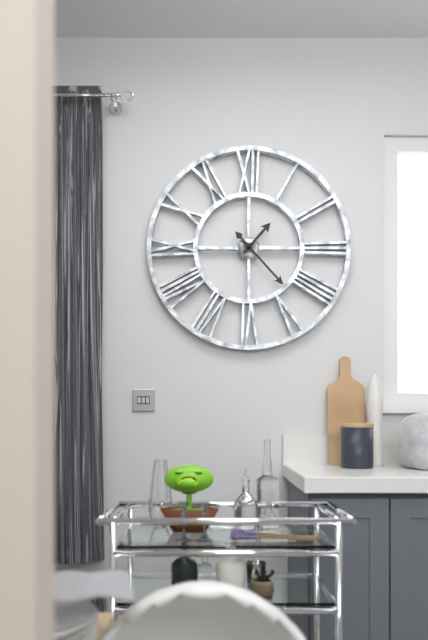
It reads 1:23
